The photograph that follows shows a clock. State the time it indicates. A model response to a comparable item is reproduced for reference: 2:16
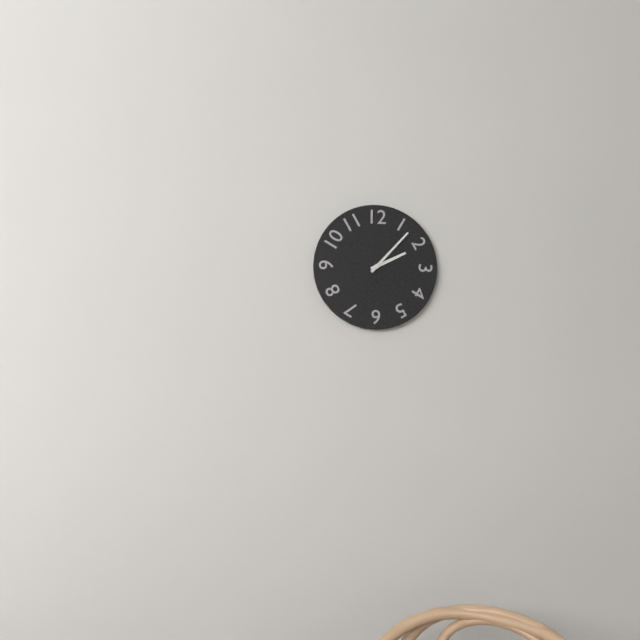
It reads 2:07
